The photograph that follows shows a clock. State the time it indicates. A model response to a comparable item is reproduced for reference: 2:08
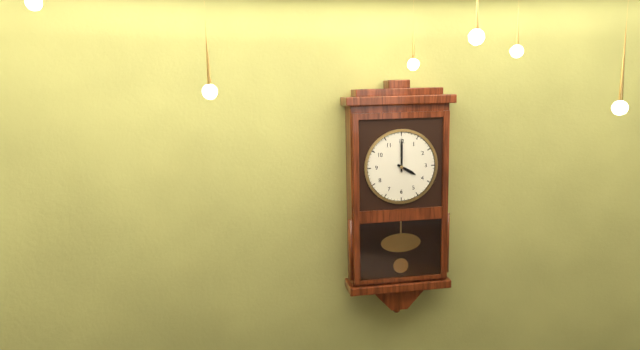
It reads 4:00
